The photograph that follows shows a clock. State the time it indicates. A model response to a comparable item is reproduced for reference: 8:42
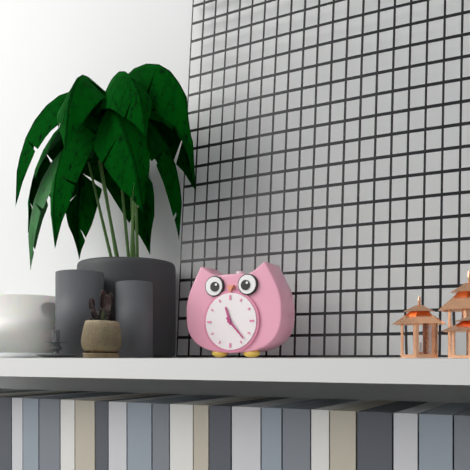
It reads 11:23
